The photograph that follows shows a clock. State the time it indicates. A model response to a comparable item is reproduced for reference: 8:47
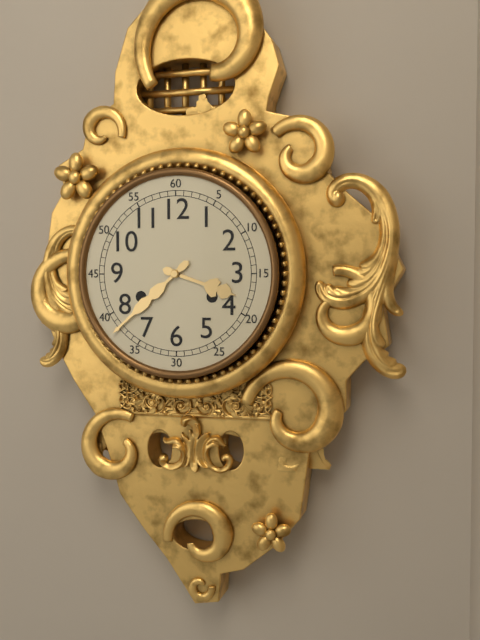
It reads 3:38
